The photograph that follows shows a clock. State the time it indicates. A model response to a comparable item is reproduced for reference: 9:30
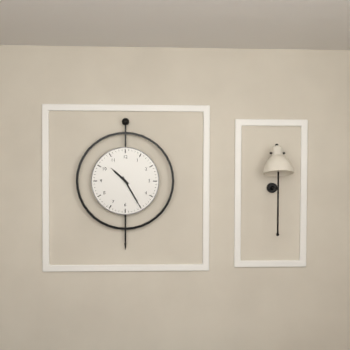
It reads 10:25
